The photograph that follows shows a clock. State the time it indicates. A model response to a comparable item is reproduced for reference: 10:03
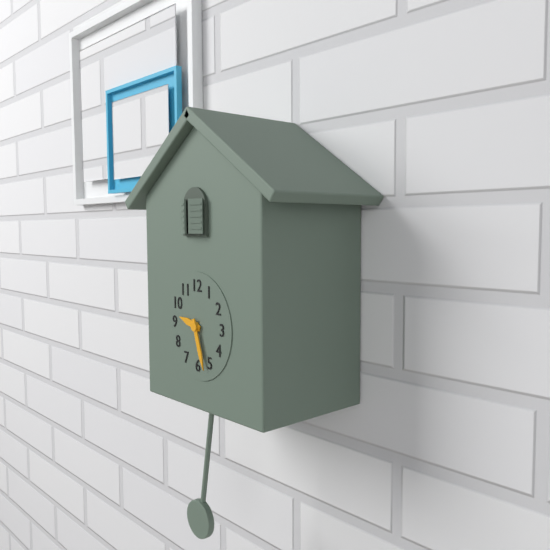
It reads 9:27
